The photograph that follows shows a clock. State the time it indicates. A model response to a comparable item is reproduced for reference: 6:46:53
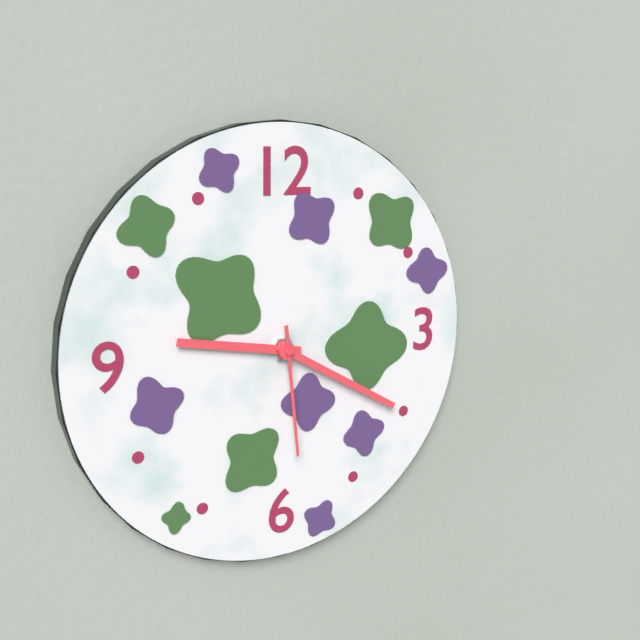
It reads 9:20:29
